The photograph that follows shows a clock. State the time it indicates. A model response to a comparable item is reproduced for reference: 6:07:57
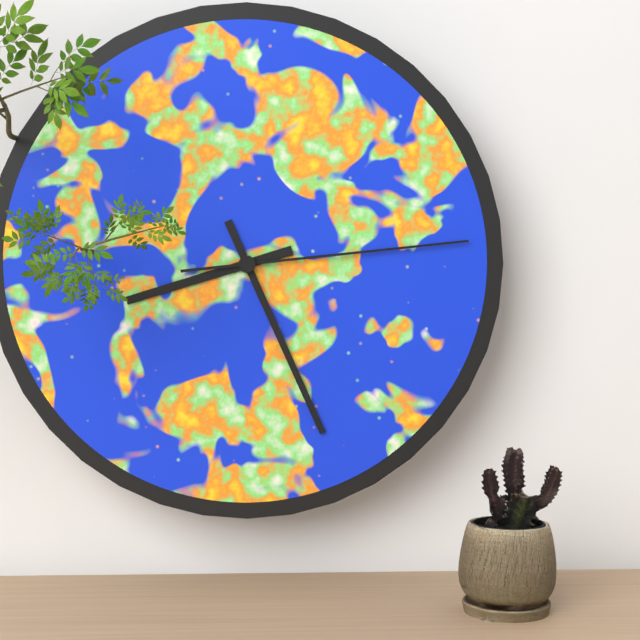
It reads 8:26:14
